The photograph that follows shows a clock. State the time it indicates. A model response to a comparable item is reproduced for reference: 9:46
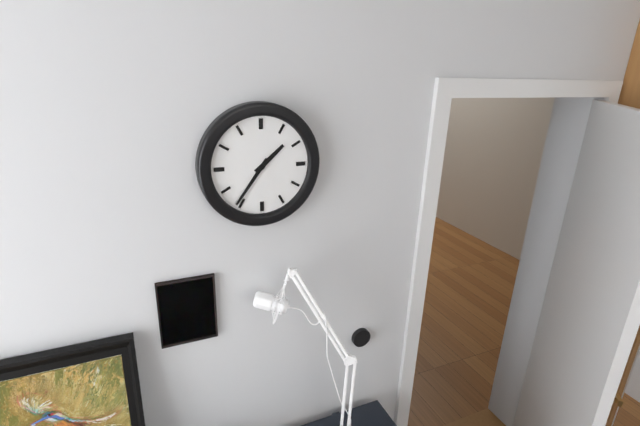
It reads 1:36
